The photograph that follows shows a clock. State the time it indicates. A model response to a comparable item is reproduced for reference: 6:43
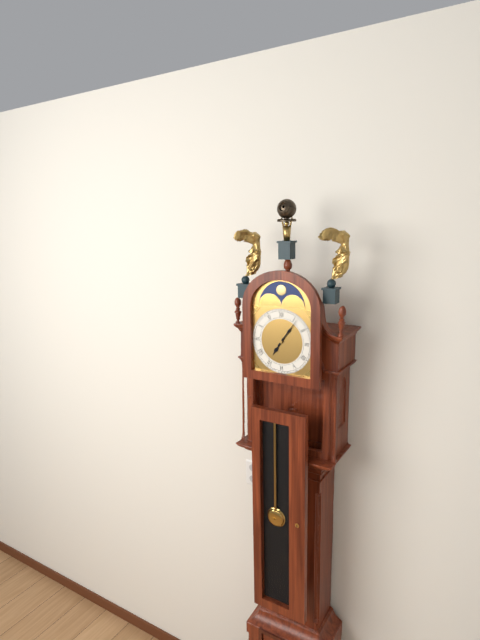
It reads 7:06
